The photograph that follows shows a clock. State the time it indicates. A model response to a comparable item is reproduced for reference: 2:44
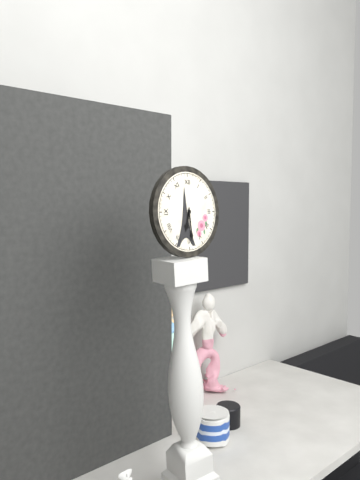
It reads 6:29
